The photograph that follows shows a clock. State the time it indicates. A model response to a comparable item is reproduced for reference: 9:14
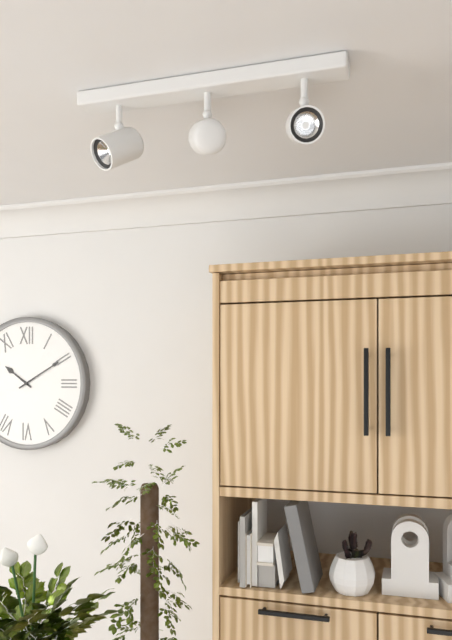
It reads 10:10
